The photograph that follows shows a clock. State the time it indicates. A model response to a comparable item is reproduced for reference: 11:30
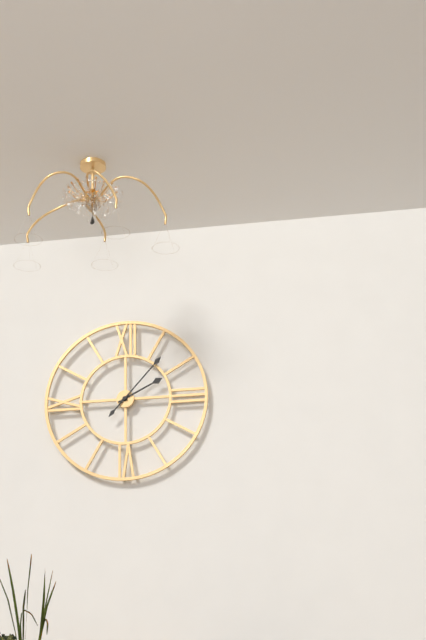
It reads 2:07
